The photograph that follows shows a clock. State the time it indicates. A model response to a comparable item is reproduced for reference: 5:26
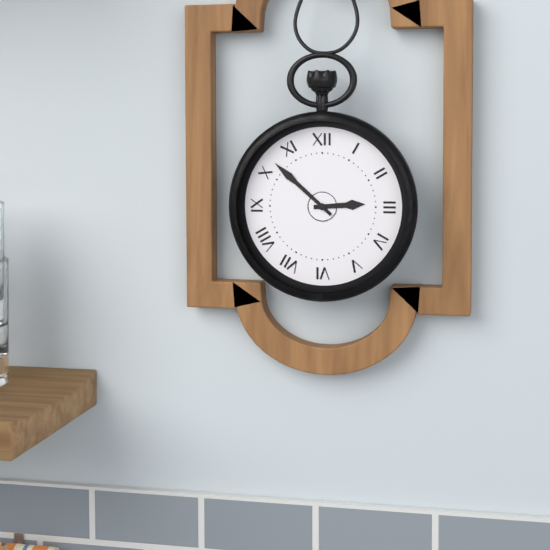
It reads 2:52
